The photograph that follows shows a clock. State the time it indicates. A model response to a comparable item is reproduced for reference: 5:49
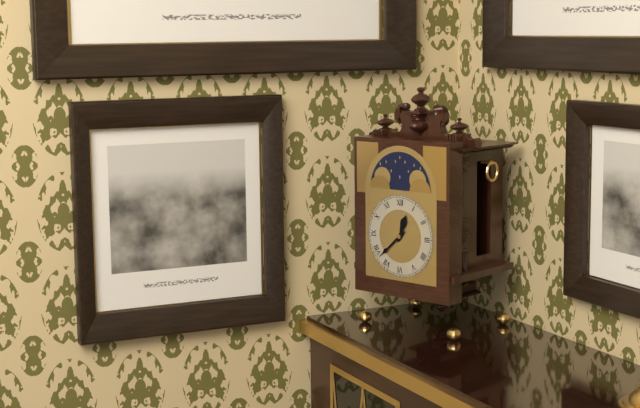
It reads 12:38
